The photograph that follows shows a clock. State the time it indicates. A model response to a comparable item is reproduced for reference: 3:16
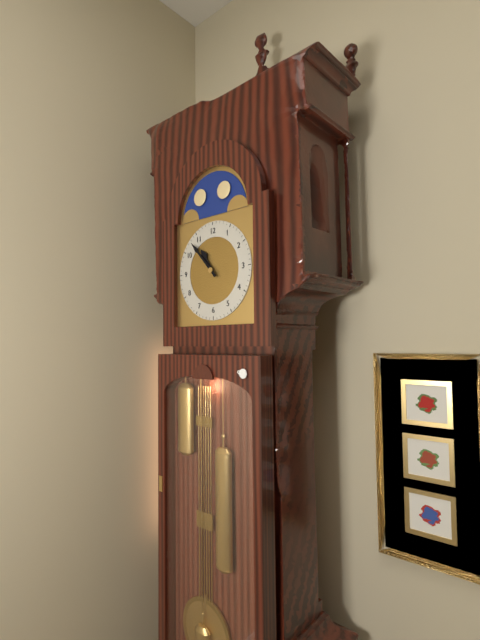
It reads 10:53
